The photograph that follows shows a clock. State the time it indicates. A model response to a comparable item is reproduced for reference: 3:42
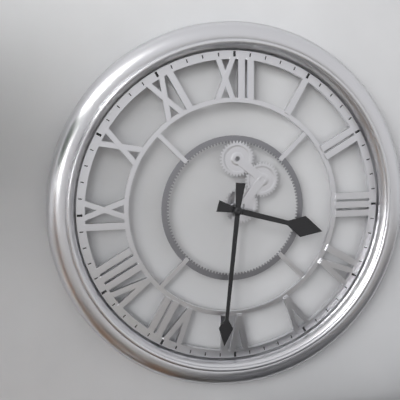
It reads 3:31
